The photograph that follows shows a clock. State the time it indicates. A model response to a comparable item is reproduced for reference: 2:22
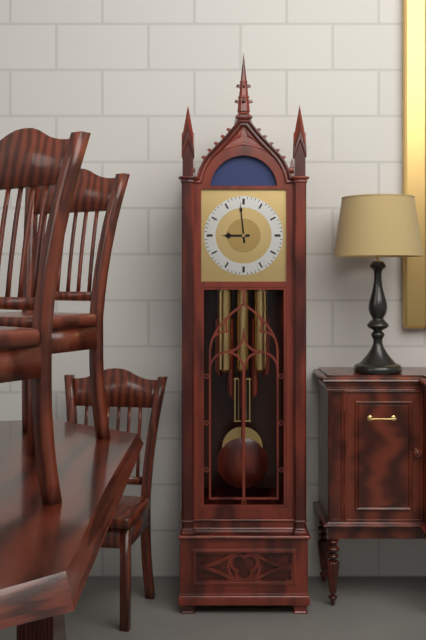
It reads 8:59
